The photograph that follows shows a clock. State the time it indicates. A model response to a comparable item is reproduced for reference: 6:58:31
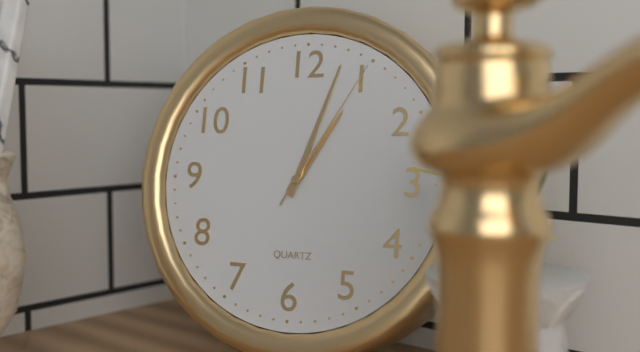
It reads 1:03:05
